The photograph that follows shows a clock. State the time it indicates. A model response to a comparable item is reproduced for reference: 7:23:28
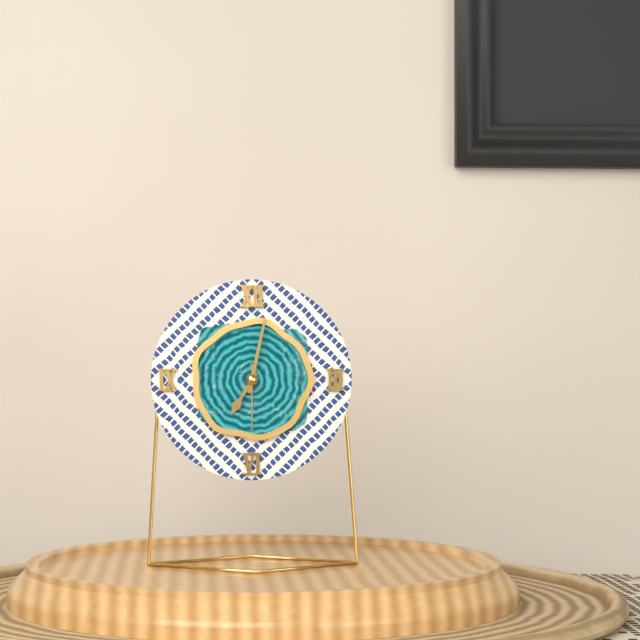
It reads 7:02:30
